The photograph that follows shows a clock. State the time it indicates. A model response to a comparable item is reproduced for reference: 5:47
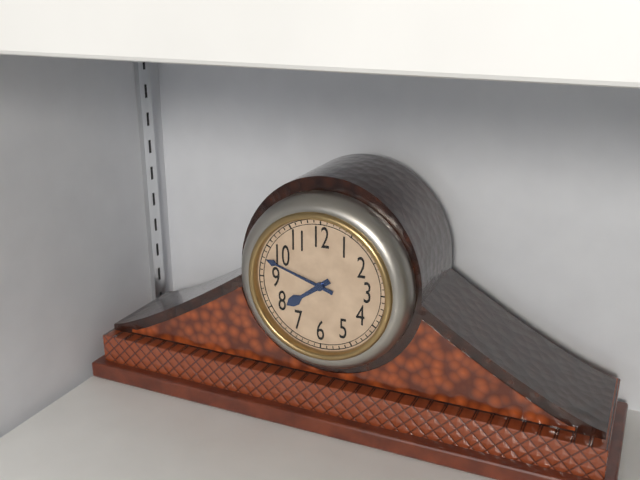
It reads 7:48
